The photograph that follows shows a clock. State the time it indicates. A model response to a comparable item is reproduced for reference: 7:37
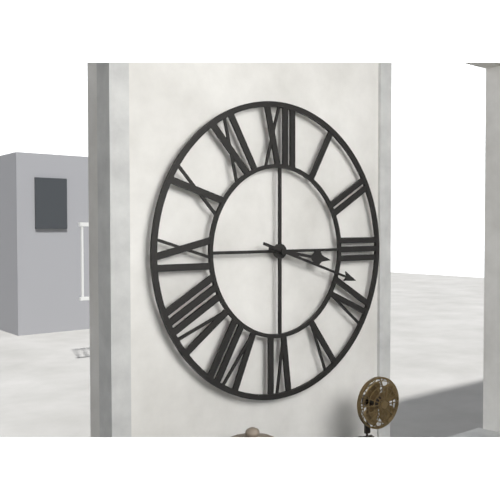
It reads 3:18
